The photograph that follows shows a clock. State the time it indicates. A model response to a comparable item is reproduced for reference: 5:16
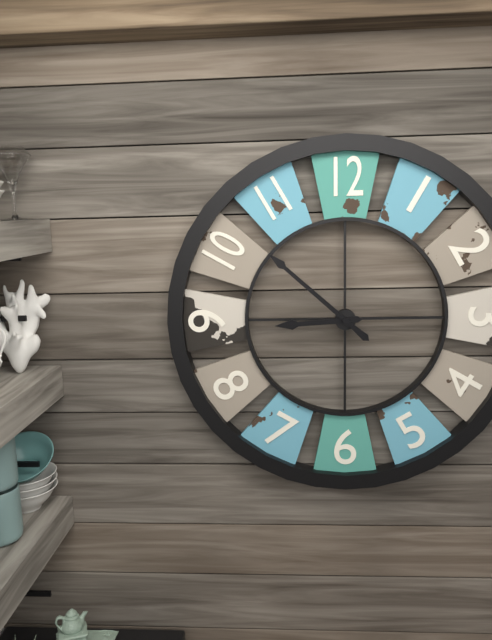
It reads 8:52
